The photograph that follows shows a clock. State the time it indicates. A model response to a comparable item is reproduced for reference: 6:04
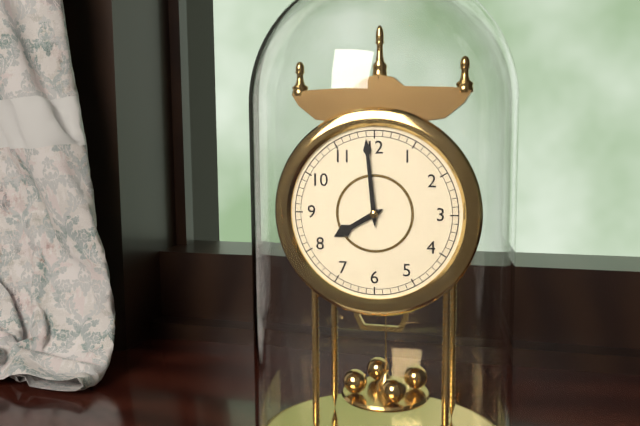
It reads 7:59
